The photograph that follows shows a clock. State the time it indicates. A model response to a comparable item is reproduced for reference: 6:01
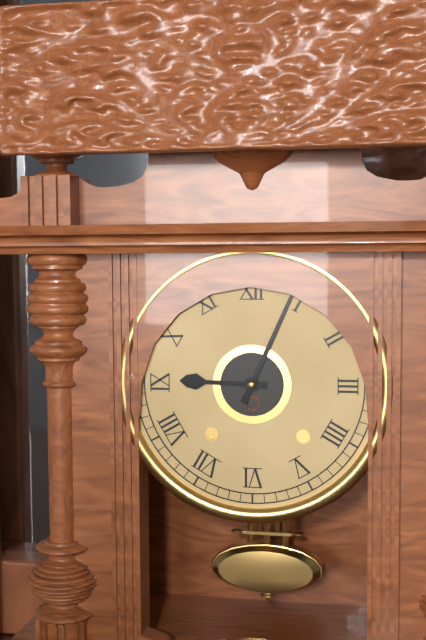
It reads 9:04
